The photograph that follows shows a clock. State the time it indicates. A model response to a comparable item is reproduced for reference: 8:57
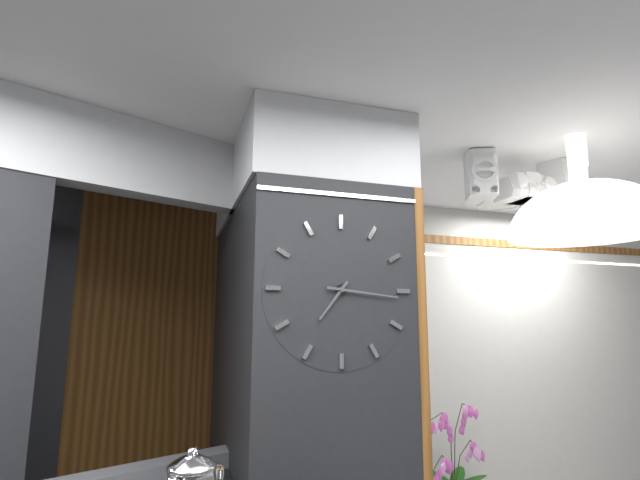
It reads 7:16
